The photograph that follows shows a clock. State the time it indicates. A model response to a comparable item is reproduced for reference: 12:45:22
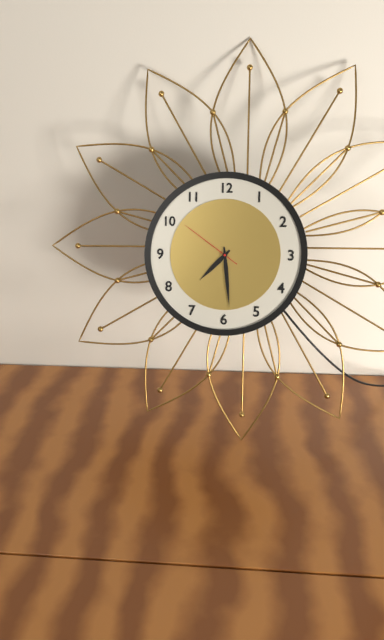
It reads 7:29:51
